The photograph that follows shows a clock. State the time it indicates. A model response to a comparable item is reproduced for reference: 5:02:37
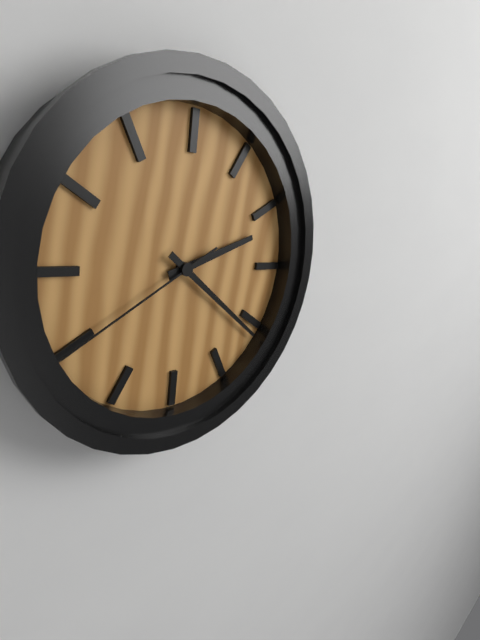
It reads 2:21:40
